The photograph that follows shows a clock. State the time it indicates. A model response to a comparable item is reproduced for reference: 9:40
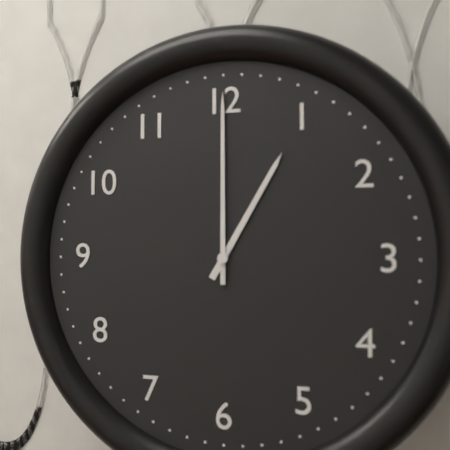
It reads 1:00
